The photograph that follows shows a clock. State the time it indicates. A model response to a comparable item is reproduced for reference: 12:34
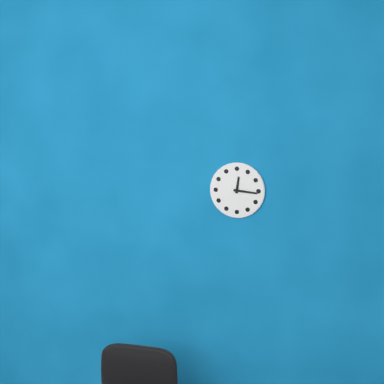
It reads 12:16
